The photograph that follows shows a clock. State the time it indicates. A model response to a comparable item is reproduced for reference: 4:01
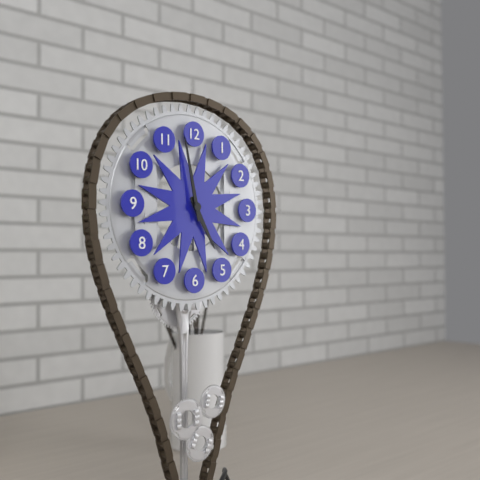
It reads 4:58
